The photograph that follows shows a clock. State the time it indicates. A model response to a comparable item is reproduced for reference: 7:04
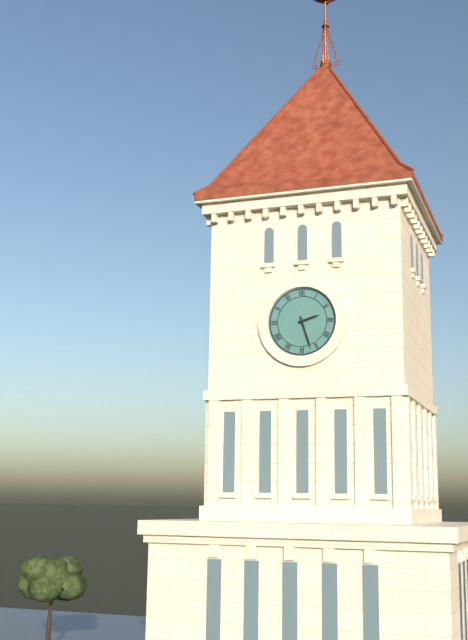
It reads 2:27
